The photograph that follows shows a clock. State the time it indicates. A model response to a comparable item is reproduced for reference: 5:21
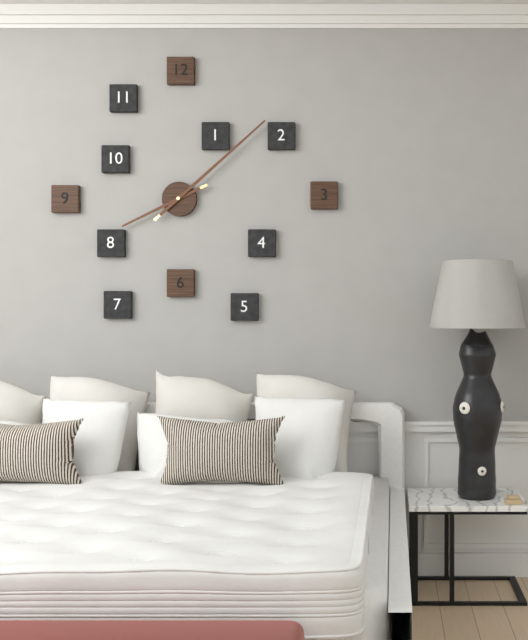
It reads 8:08
